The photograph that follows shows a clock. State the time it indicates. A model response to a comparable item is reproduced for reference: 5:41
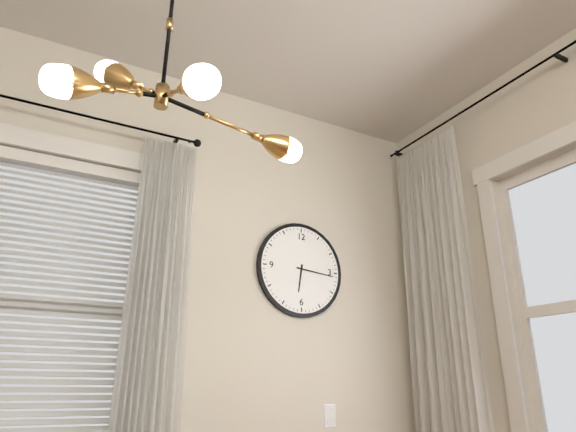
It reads 6:16
